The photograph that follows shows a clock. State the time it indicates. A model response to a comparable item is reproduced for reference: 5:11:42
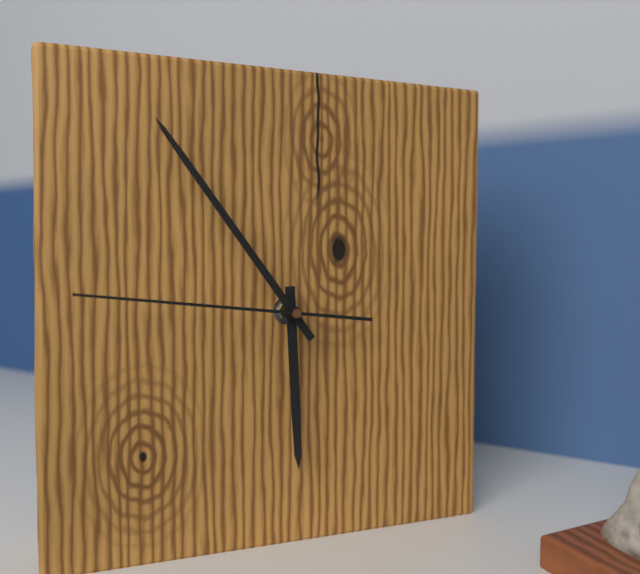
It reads 5:54:46
